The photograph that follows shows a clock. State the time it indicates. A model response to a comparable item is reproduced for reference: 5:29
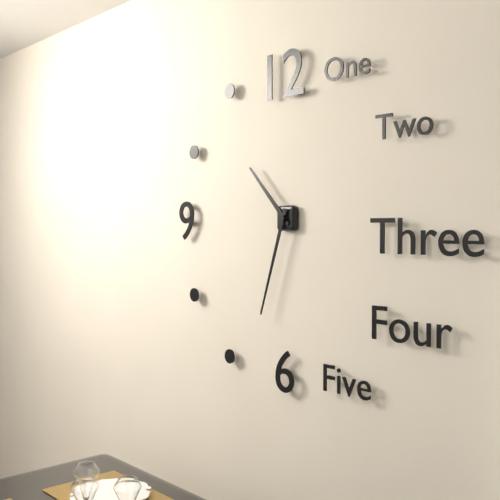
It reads 10:33
